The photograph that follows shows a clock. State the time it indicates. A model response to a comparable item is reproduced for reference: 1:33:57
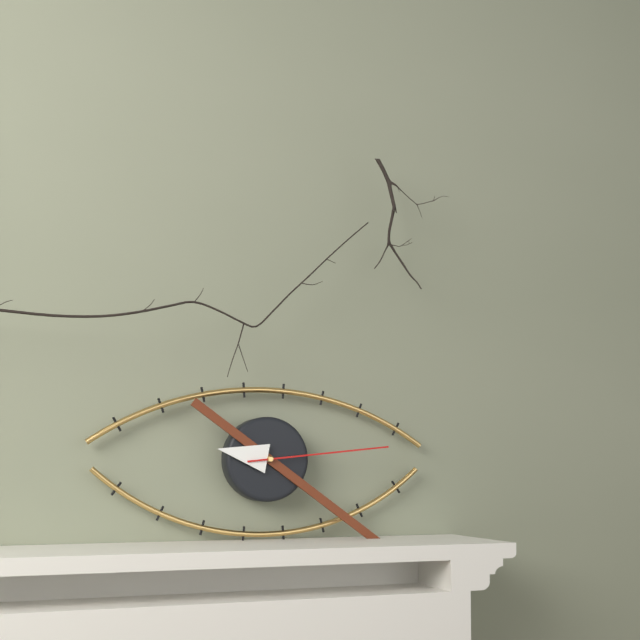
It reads 9:21:14
